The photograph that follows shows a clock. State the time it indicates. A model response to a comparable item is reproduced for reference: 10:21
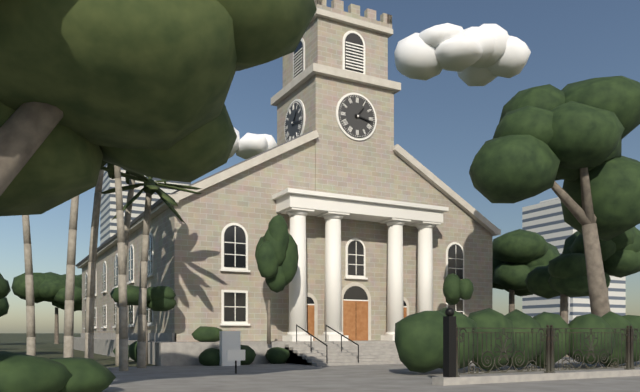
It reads 1:17
